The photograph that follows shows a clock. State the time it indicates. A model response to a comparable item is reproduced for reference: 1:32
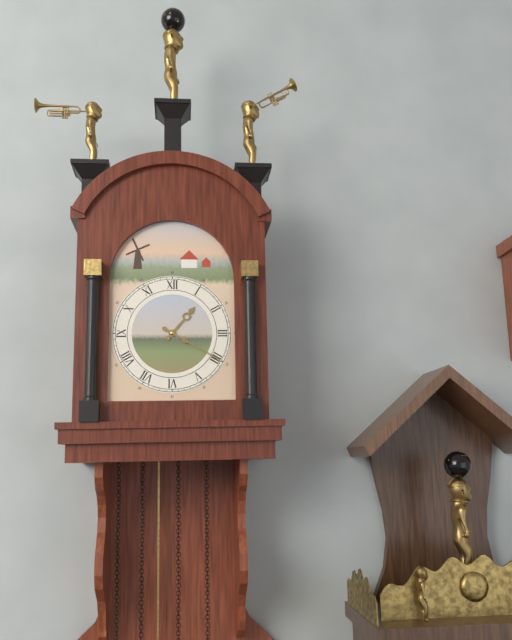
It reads 1:20
